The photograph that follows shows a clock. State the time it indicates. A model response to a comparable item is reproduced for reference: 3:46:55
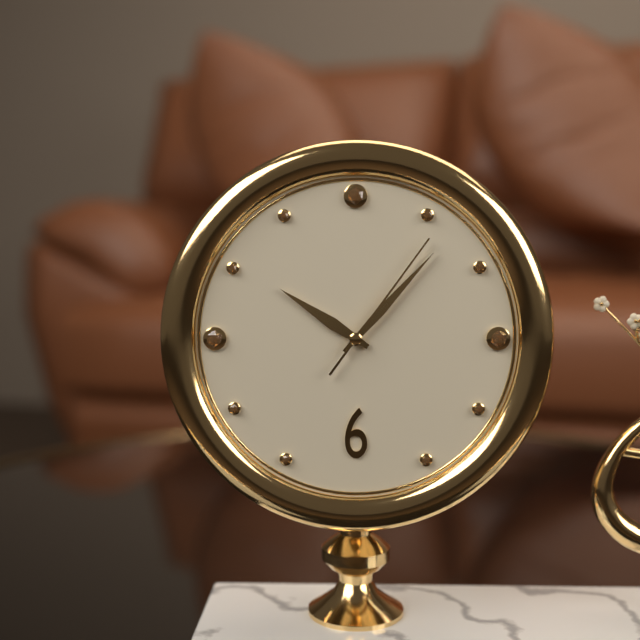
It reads 10:07:06
